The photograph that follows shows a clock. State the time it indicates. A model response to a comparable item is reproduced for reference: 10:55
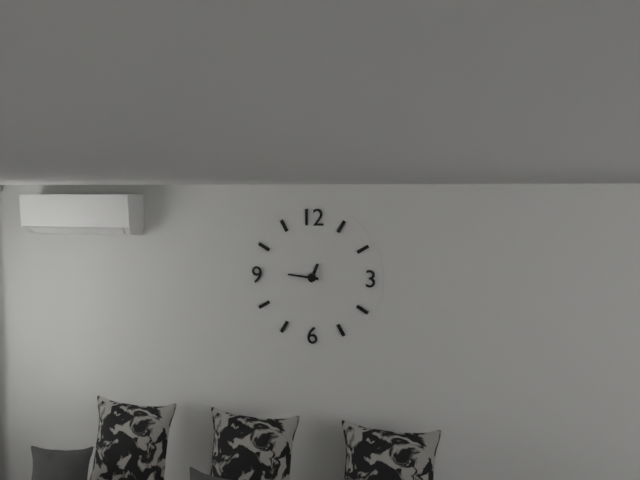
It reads 12:46
